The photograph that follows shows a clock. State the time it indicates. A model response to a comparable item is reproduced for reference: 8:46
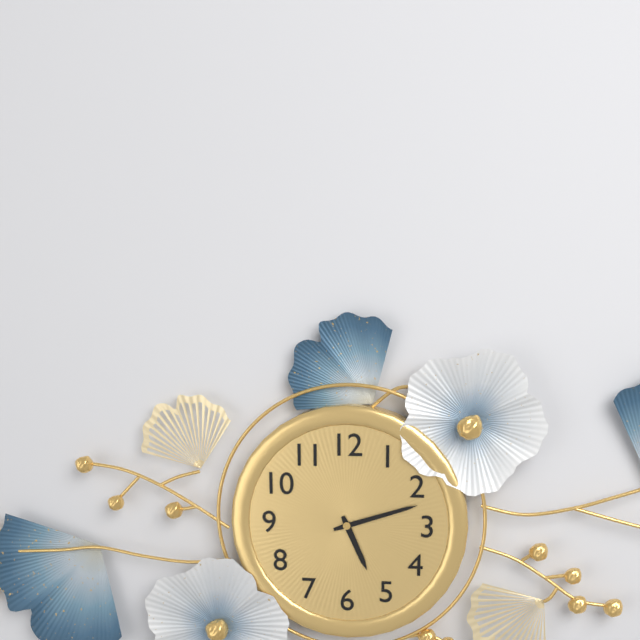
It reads 5:12
